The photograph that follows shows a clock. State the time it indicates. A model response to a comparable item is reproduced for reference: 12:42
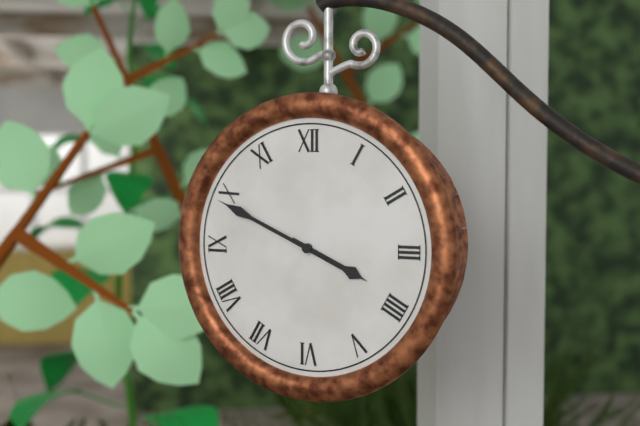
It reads 3:49
